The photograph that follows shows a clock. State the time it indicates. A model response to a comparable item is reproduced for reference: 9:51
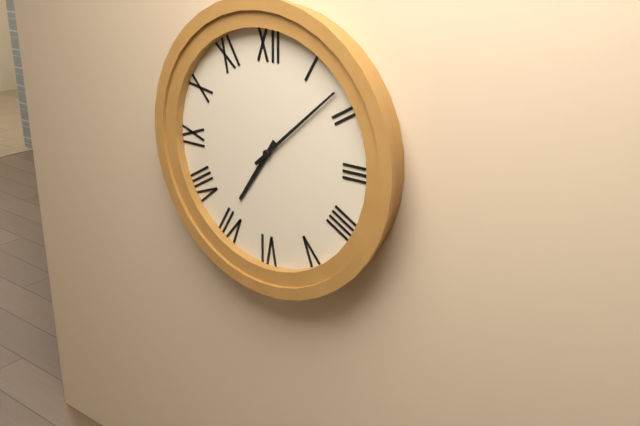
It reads 7:08
